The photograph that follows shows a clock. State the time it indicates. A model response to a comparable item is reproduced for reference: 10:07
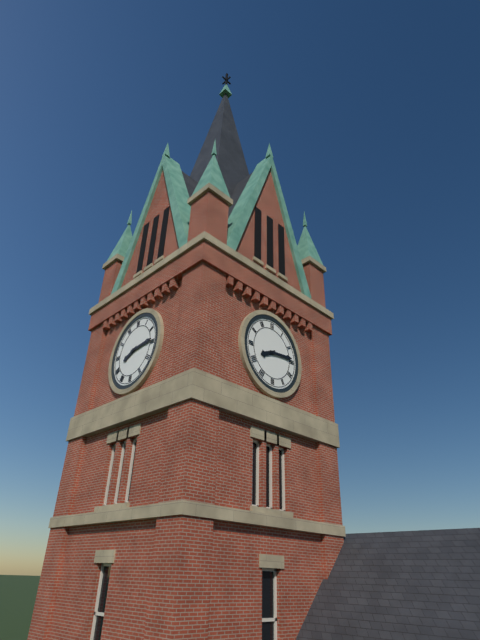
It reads 8:14
